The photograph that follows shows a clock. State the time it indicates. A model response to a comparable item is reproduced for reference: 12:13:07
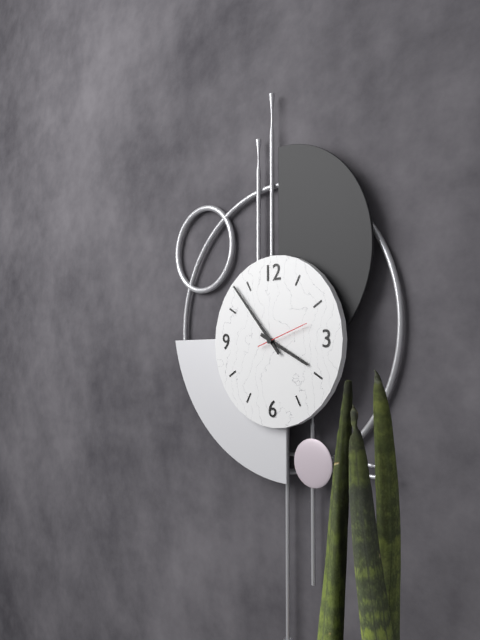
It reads 3:53:12
